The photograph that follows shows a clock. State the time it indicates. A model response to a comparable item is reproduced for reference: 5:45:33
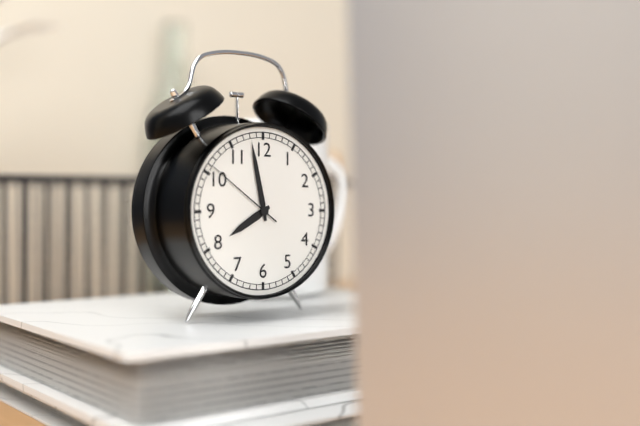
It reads 7:58:51
